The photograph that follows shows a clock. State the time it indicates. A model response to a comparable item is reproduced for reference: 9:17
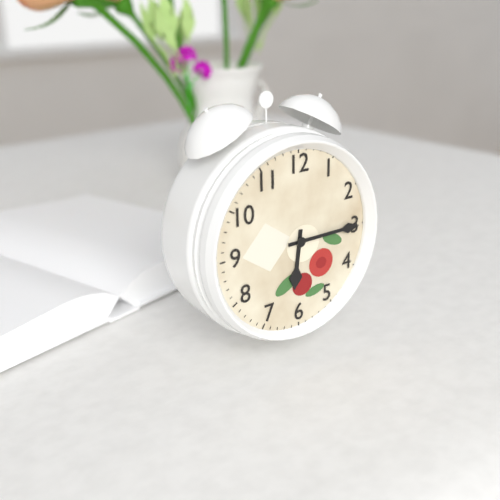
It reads 6:15
